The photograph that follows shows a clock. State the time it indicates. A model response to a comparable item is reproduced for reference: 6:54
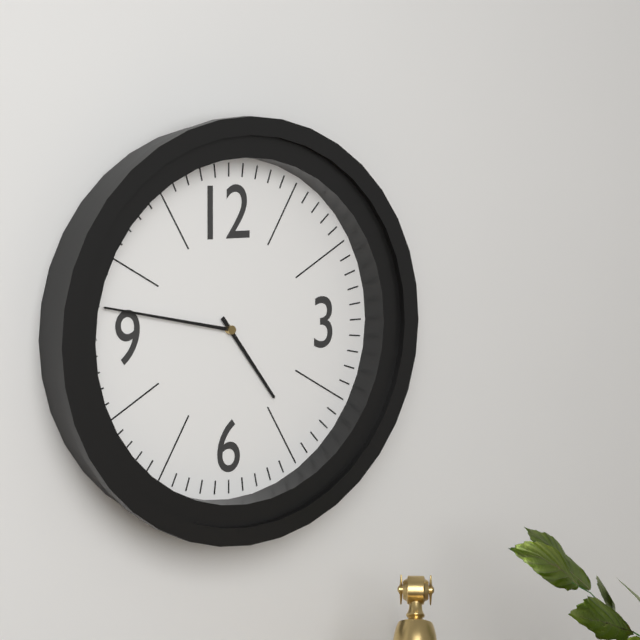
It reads 4:47
